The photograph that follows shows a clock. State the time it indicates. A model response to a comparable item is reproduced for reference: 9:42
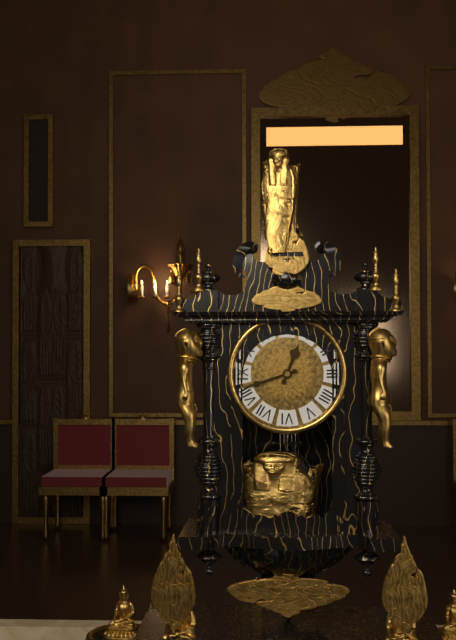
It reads 12:42
